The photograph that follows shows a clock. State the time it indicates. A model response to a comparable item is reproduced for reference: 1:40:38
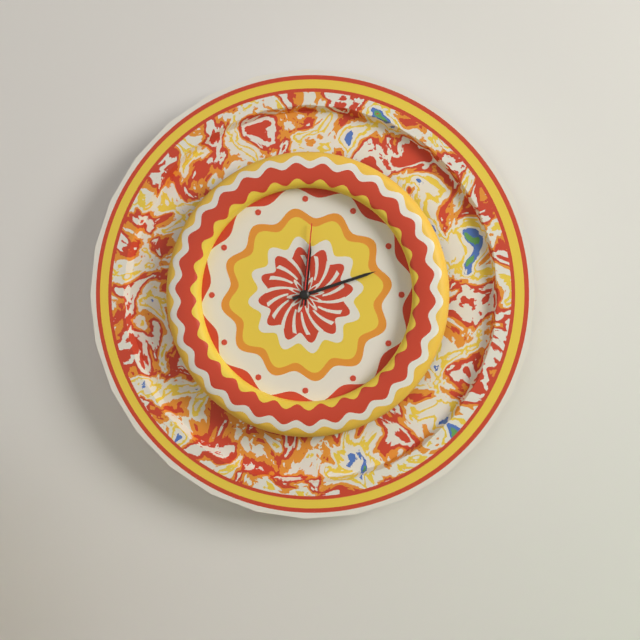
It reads 12:12:01
